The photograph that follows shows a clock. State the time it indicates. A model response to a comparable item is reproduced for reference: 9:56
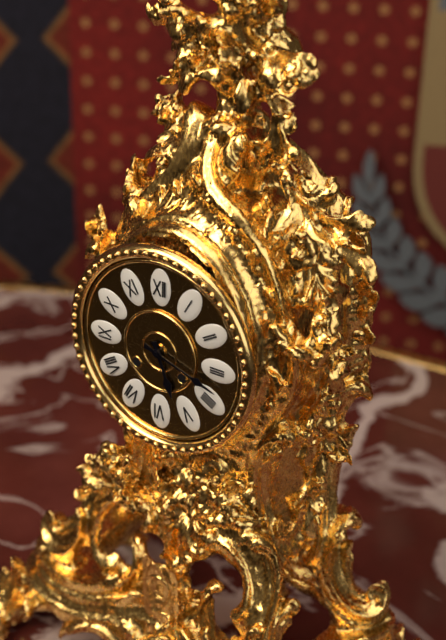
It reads 5:18
